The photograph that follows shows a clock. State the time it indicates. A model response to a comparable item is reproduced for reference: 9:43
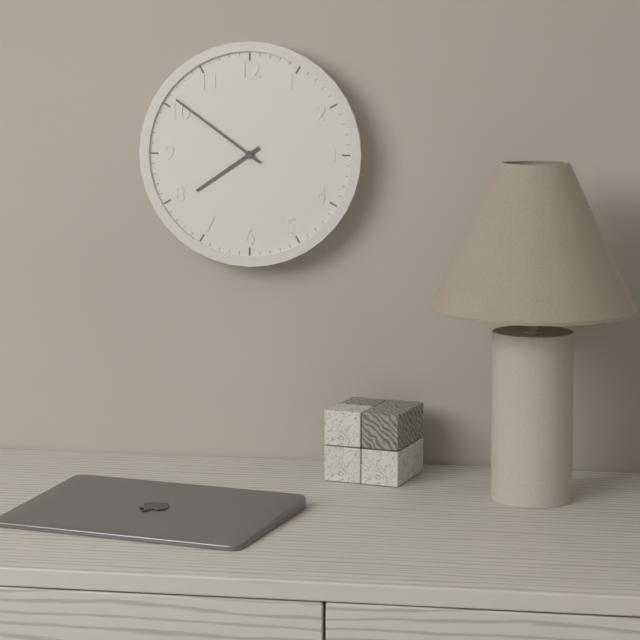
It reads 7:51
